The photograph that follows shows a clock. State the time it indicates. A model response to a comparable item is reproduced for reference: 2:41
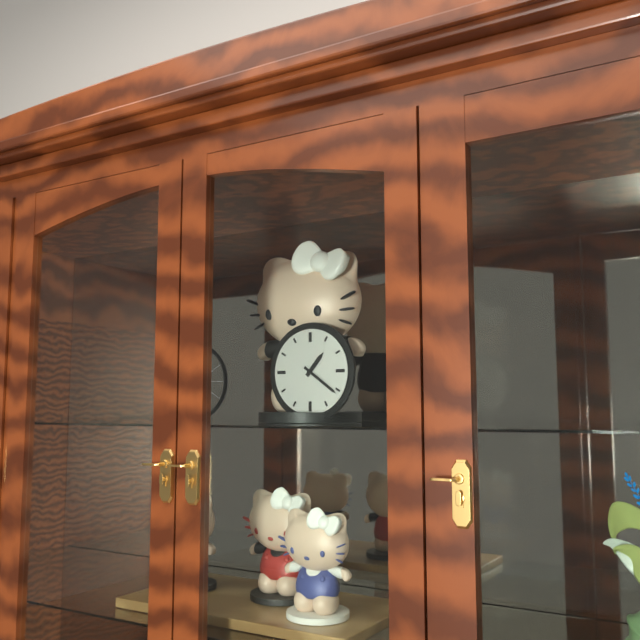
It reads 1:21
